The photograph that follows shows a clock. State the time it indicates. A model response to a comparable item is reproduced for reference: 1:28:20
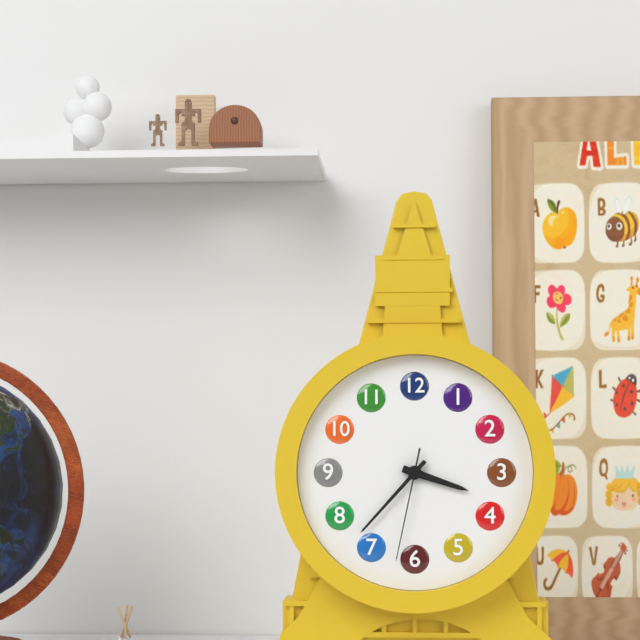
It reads 3:37:32
